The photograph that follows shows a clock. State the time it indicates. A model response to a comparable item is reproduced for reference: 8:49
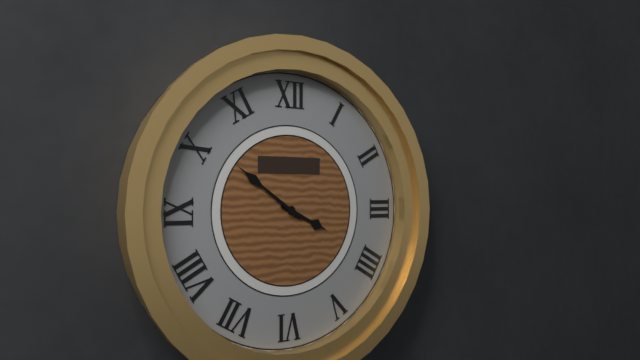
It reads 3:51
